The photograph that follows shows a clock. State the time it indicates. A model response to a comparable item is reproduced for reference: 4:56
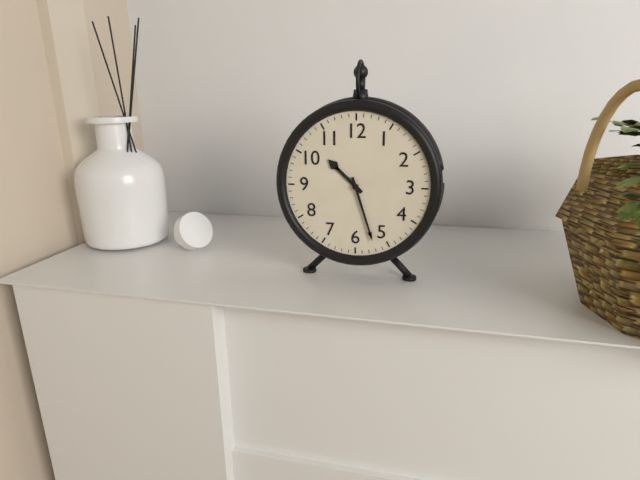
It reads 10:27
